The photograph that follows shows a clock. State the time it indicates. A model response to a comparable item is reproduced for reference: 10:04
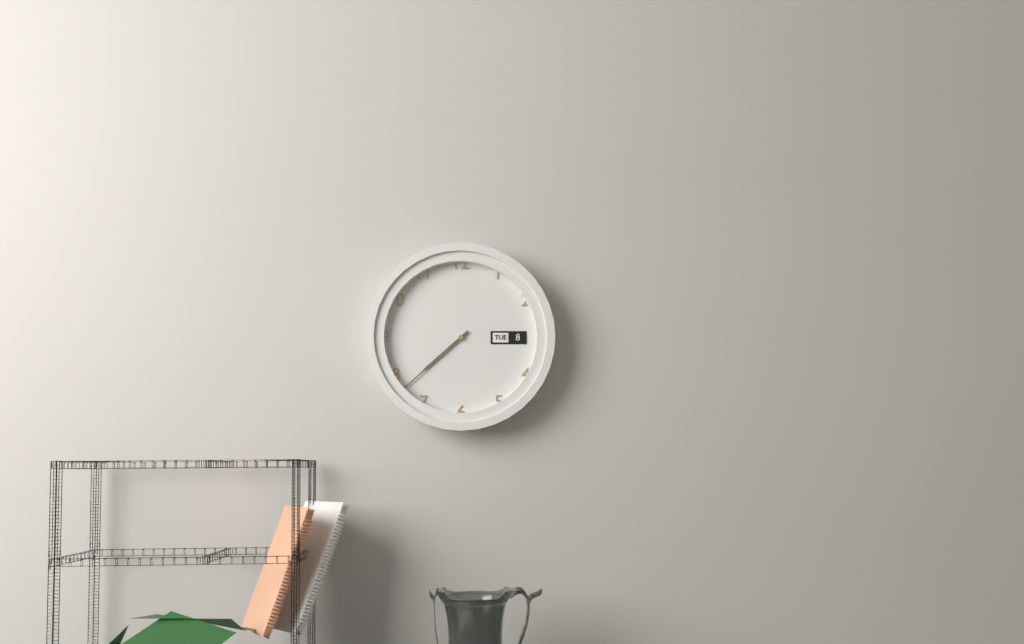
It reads 7:38
